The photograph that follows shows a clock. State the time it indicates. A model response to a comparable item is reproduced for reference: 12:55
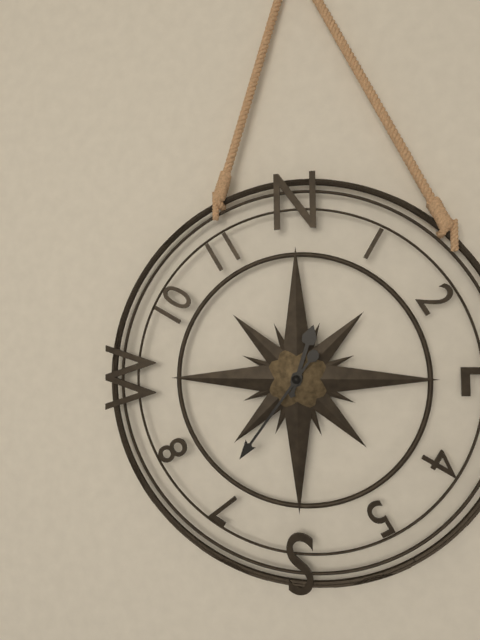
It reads 12:36
